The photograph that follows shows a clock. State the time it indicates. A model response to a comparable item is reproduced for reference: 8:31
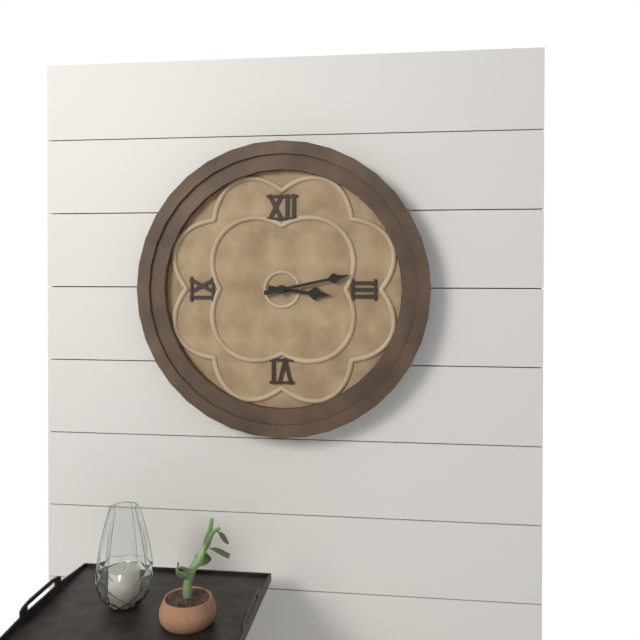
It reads 3:13
